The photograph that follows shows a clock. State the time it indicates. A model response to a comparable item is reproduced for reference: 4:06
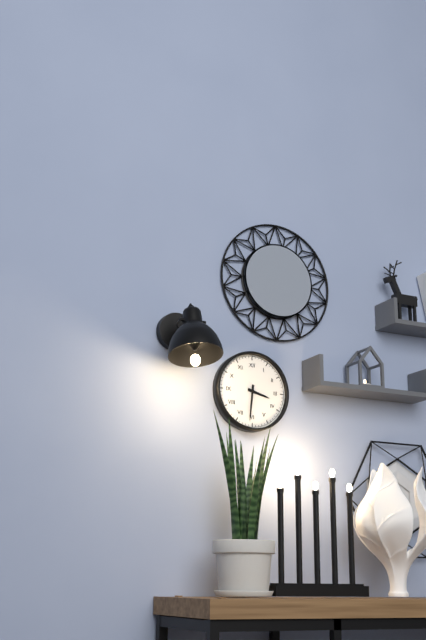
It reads 3:31
